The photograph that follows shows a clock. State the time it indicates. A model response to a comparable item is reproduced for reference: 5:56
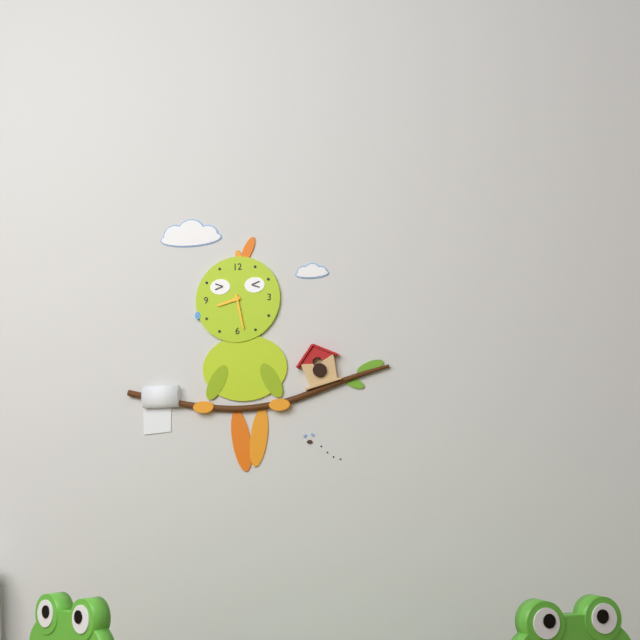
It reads 8:28
